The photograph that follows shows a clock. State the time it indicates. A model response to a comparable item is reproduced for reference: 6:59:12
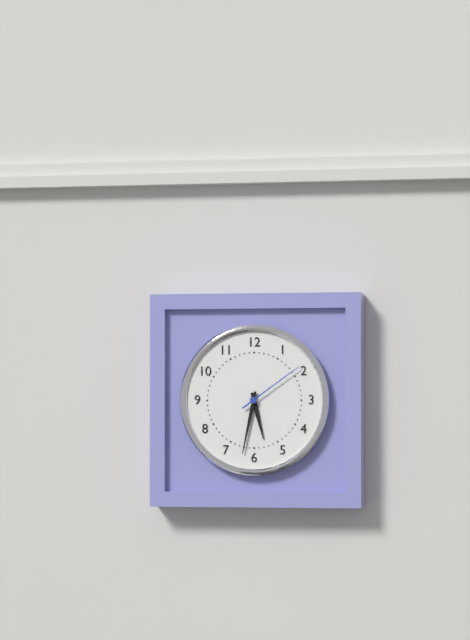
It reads 5:32:09
